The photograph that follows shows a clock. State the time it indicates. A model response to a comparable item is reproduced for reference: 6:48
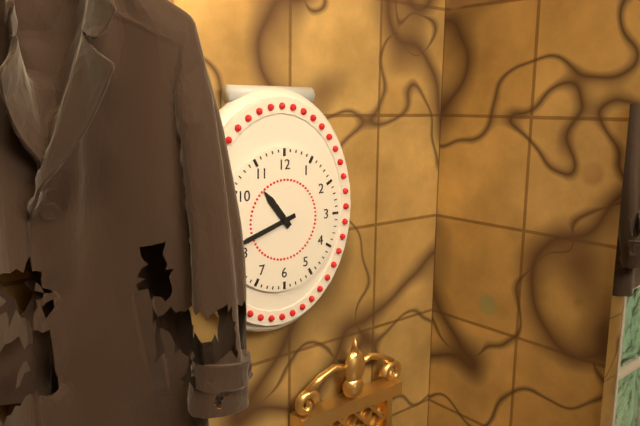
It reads 10:42
